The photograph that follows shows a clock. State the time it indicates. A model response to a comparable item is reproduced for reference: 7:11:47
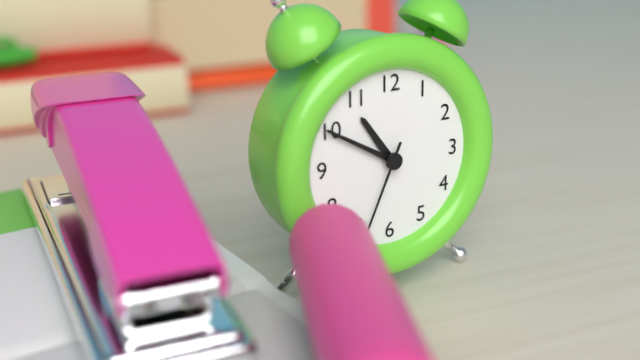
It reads 10:50:34
